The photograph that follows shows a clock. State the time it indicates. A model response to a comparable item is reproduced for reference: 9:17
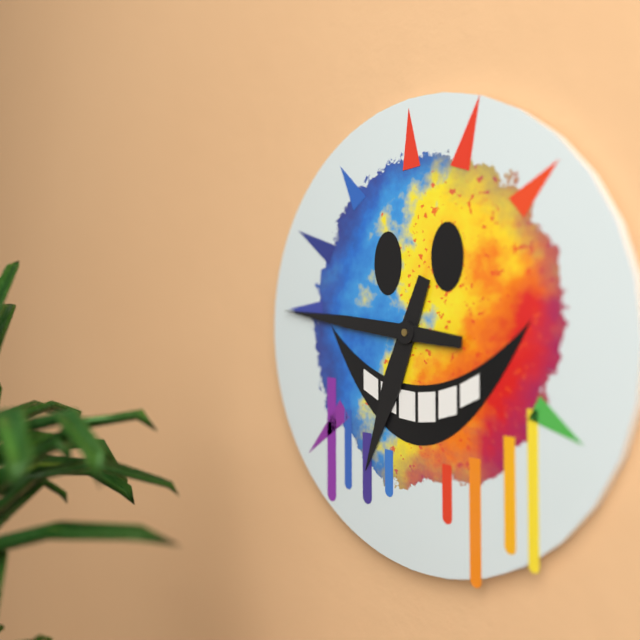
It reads 6:46
